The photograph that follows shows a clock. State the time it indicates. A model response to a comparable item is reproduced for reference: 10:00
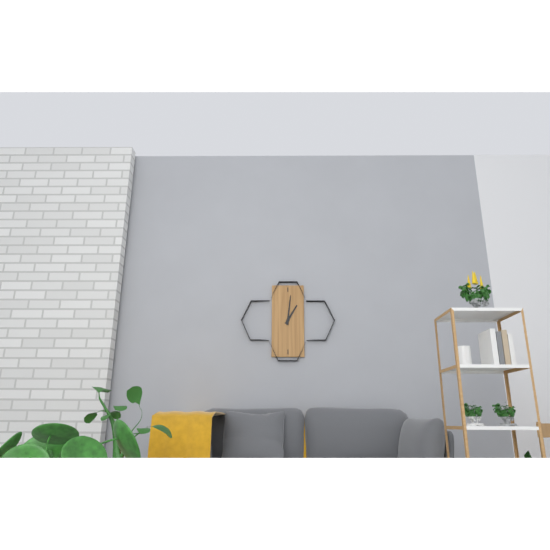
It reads 1:01
